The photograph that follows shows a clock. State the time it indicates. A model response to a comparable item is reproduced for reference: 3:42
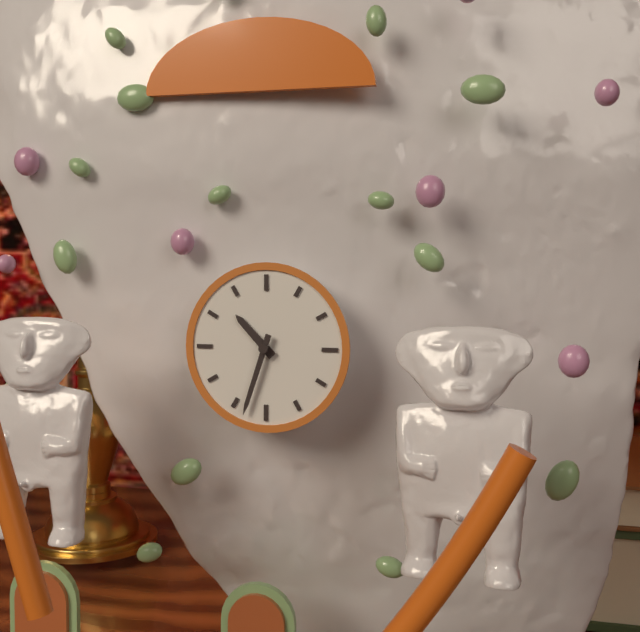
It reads 10:33
